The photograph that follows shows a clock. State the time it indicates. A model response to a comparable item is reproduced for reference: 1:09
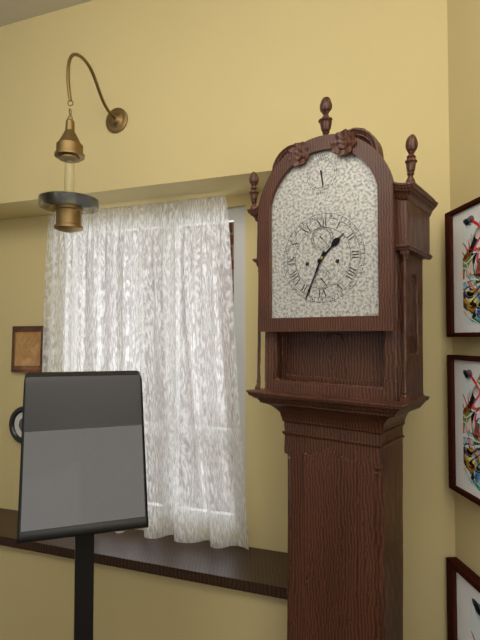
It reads 1:34
